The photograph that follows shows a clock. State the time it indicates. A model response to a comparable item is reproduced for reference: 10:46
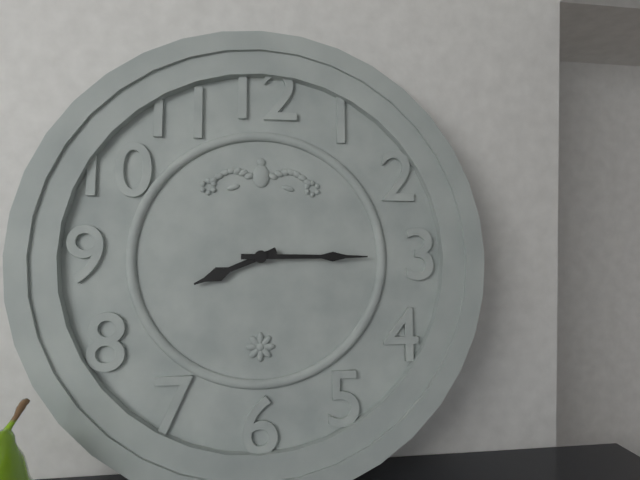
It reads 8:15
